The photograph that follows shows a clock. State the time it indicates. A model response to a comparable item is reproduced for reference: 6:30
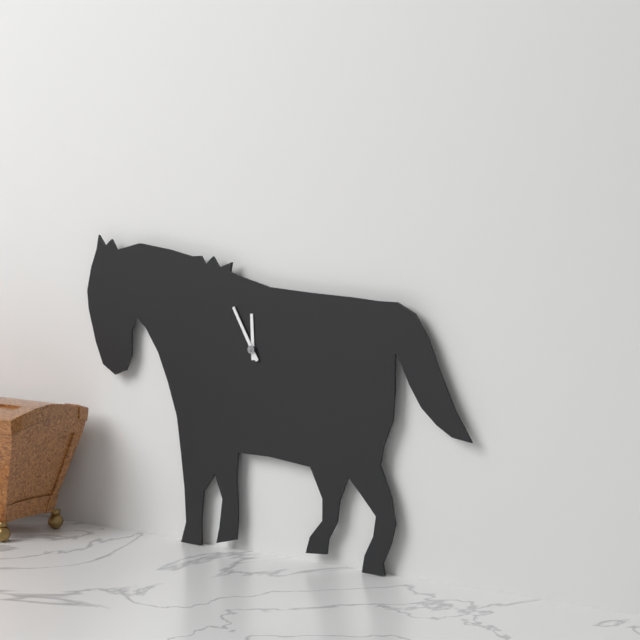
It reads 11:55
